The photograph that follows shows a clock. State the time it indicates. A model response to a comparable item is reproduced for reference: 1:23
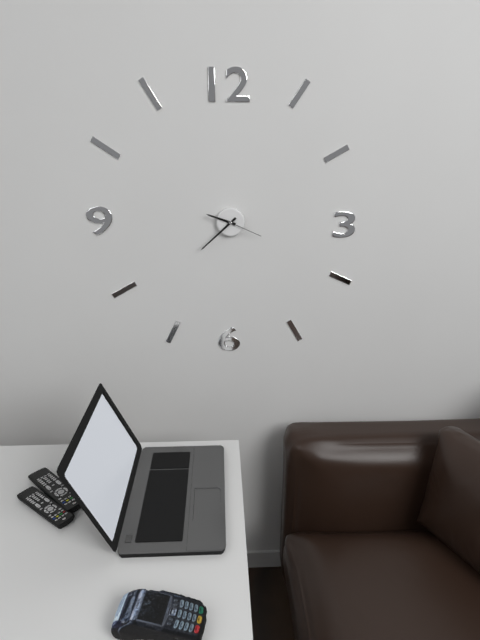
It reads 9:38
